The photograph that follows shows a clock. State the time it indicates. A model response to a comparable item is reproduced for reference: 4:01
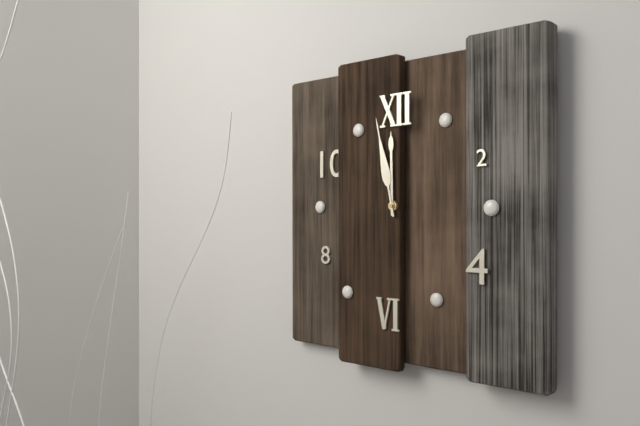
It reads 11:58
